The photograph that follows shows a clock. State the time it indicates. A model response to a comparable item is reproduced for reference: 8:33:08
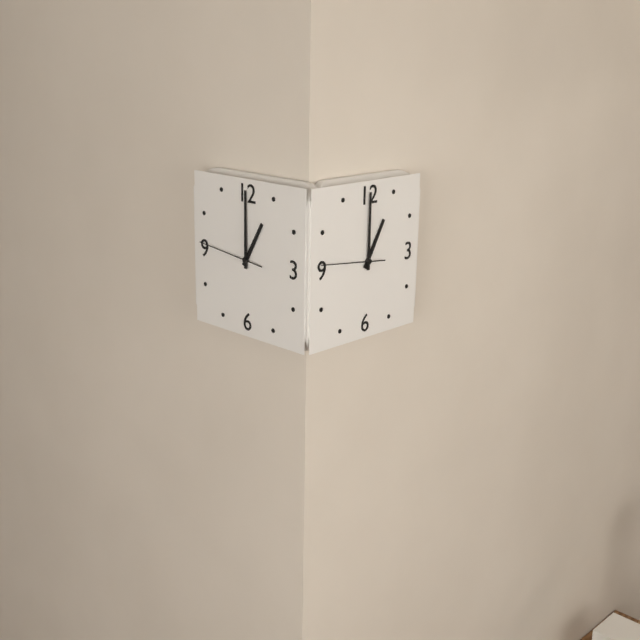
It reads 1:00:46
